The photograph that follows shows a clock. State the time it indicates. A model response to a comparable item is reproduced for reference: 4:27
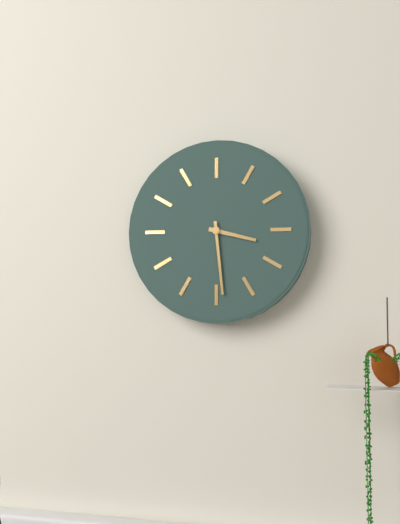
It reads 3:29
